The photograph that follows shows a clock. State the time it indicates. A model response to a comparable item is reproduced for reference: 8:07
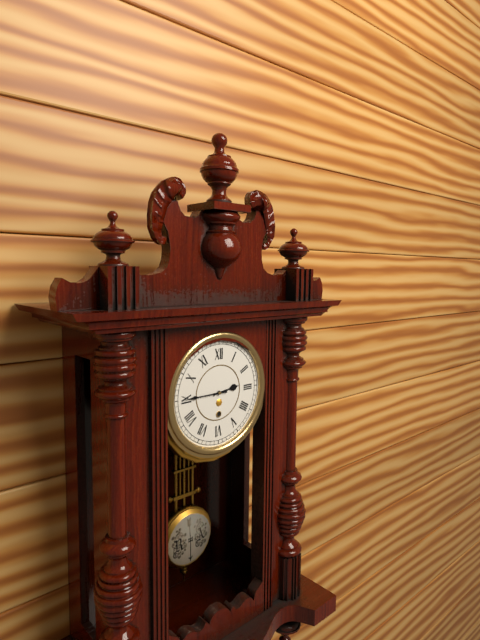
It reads 2:45
